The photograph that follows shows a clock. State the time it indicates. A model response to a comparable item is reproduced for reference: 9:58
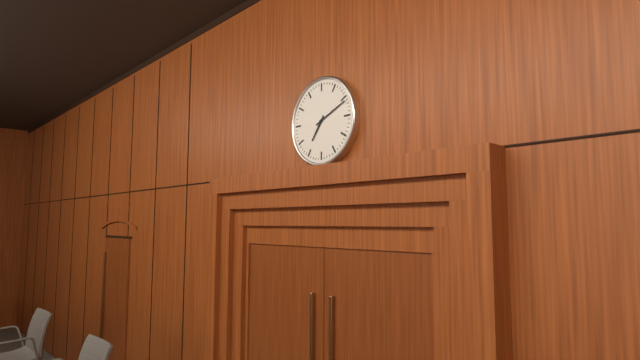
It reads 7:11
